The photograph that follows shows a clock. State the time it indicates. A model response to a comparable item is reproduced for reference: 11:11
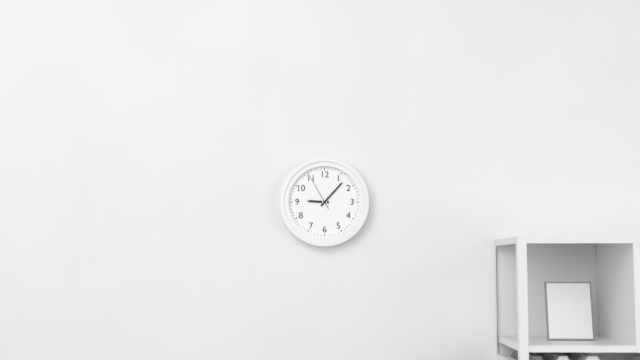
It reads 9:07
